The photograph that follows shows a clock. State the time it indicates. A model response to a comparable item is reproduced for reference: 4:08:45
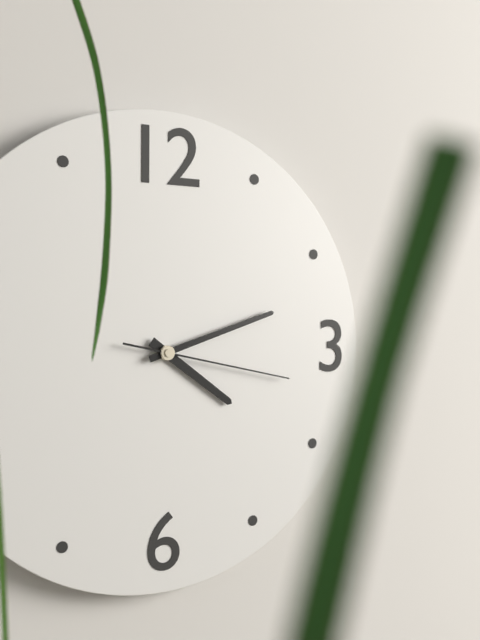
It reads 4:12:17
